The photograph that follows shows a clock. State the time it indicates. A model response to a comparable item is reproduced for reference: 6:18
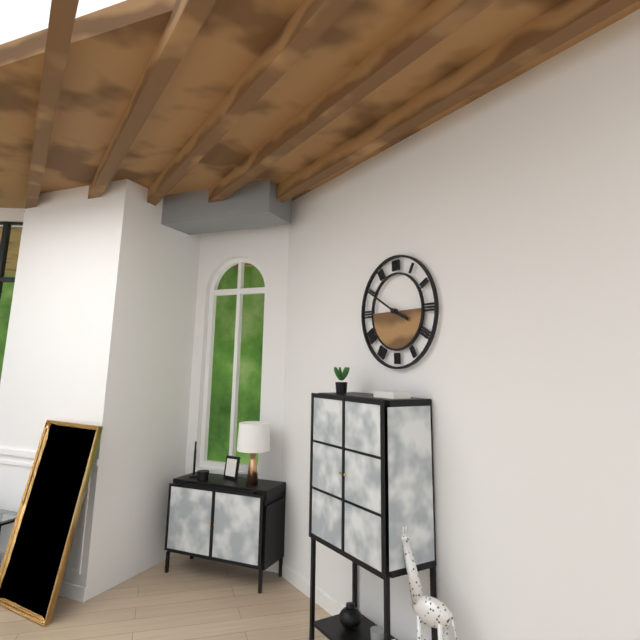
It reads 3:50
